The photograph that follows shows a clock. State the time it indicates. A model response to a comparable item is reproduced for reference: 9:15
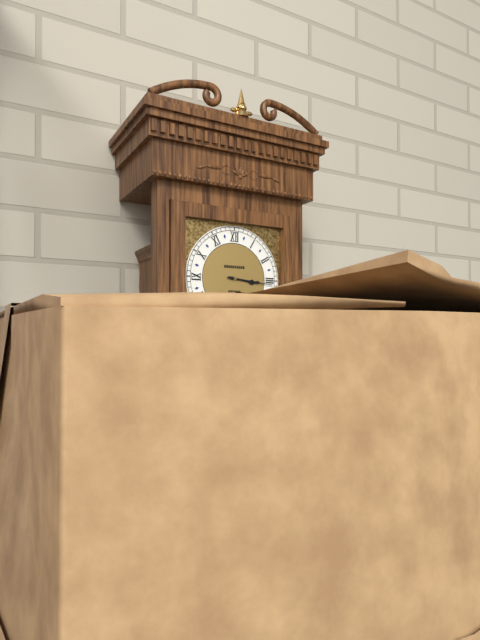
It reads 3:16
